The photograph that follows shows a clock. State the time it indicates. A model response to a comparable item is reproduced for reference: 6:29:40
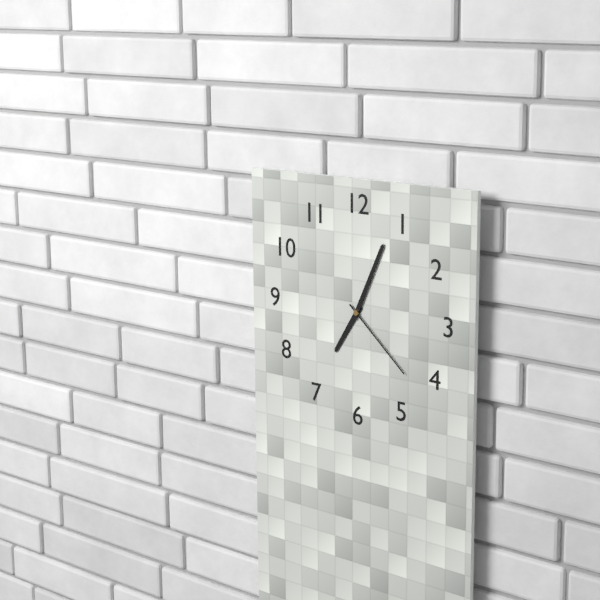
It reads 7:04:22
